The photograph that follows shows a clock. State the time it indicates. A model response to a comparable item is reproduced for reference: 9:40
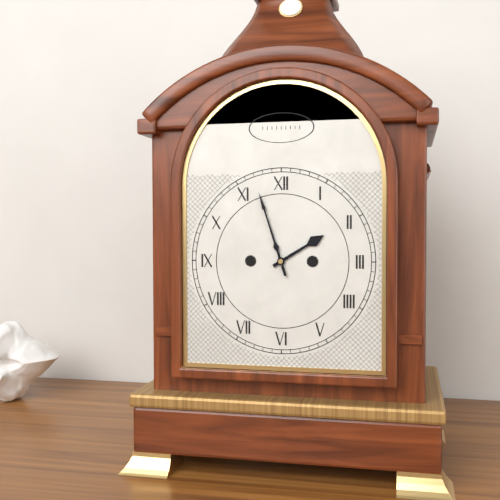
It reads 1:57
